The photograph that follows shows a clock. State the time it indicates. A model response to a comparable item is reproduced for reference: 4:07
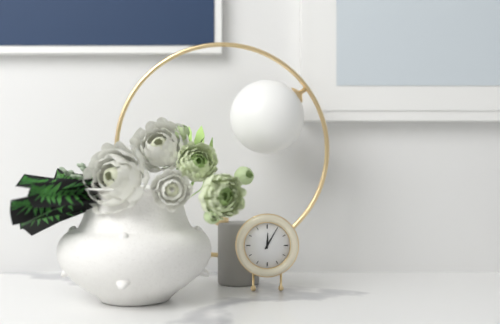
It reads 12:05
